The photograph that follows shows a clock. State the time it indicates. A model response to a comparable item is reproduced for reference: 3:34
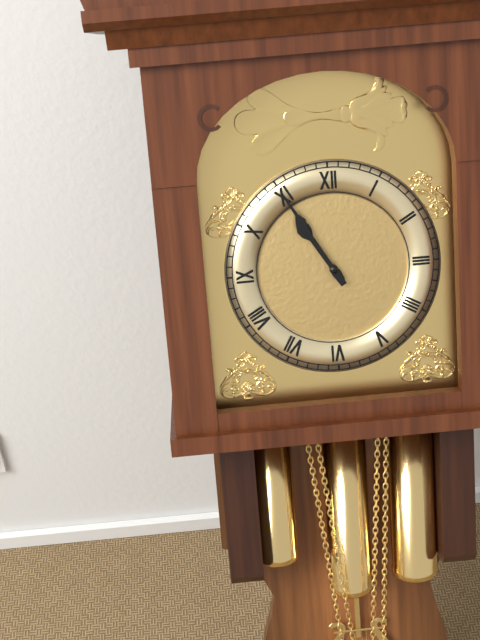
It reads 10:55
